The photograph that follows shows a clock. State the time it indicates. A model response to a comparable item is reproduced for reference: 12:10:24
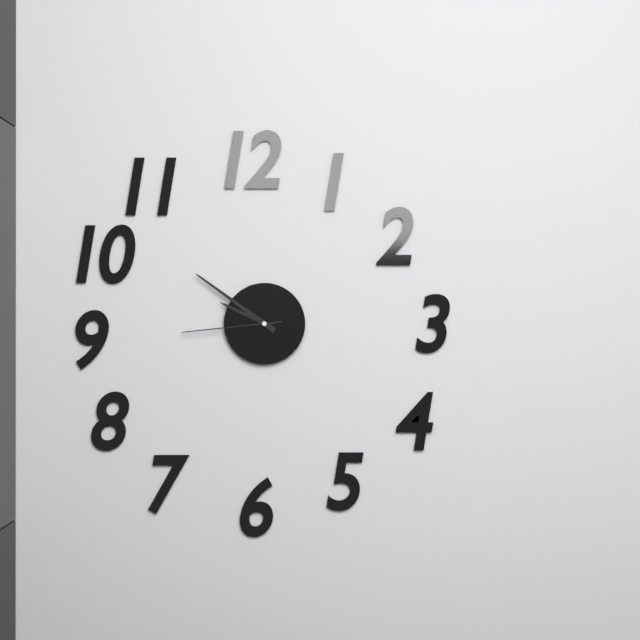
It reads 9:51:44
